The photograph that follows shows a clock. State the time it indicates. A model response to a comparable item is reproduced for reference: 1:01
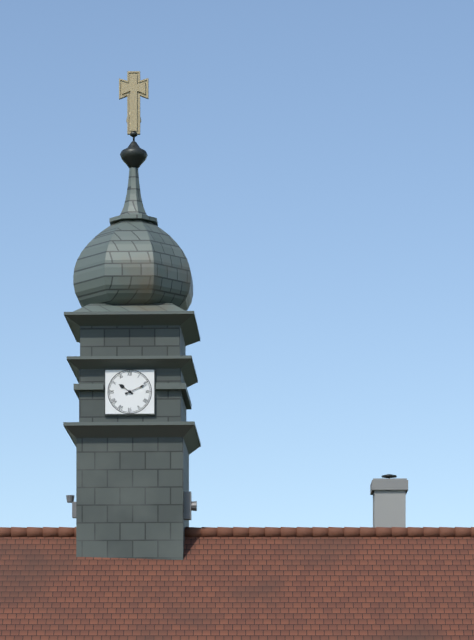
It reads 10:11
